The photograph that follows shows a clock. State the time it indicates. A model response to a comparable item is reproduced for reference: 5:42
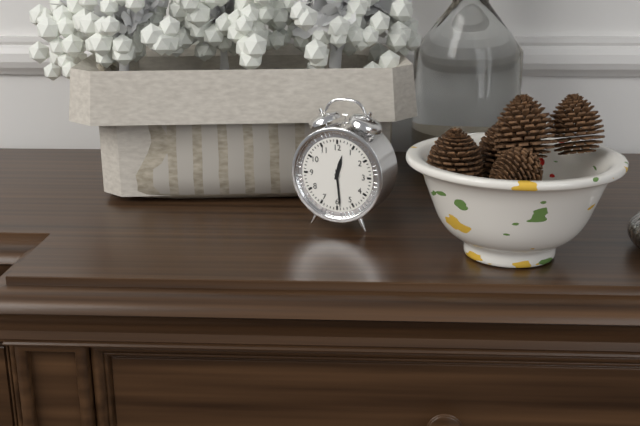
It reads 12:29
